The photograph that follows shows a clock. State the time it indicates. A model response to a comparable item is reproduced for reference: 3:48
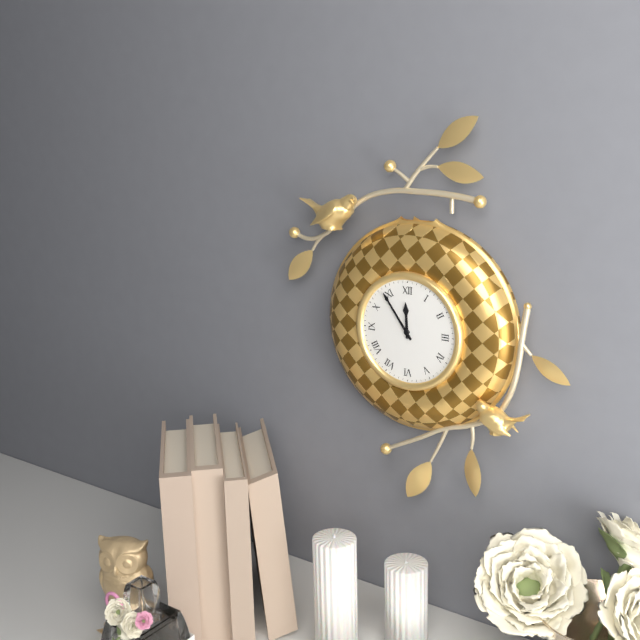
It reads 11:54
